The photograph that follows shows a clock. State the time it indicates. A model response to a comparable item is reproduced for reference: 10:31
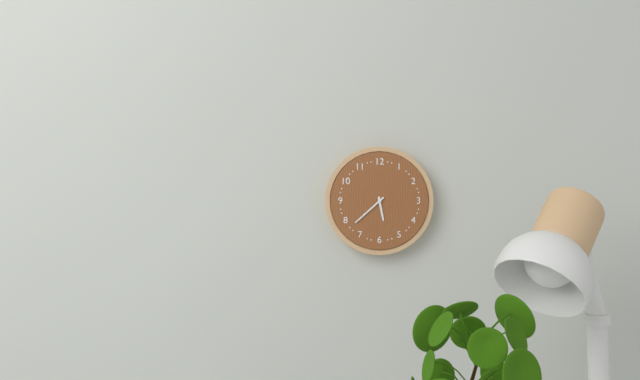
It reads 5:38
